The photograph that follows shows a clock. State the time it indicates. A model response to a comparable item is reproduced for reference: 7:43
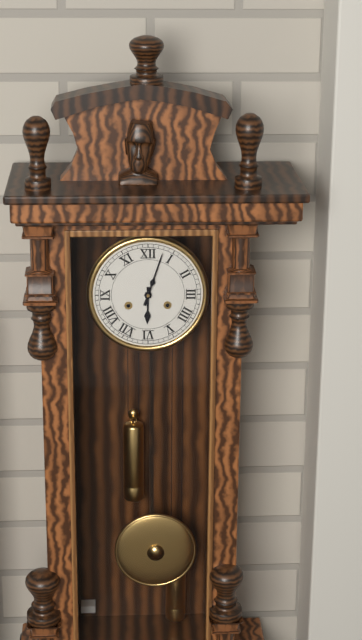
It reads 6:03
